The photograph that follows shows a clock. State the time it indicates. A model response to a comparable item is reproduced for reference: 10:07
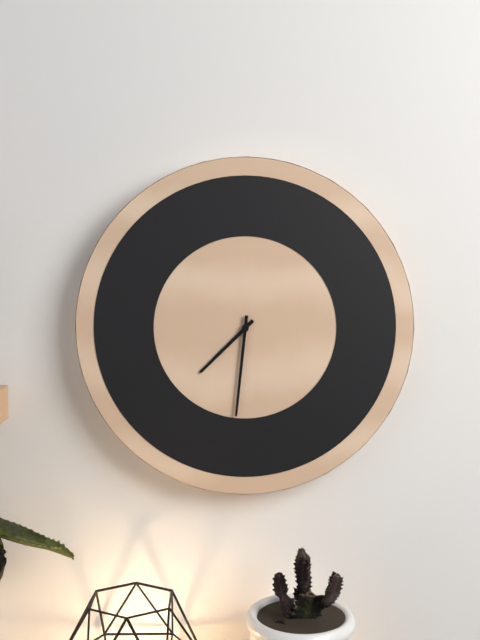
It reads 7:31
